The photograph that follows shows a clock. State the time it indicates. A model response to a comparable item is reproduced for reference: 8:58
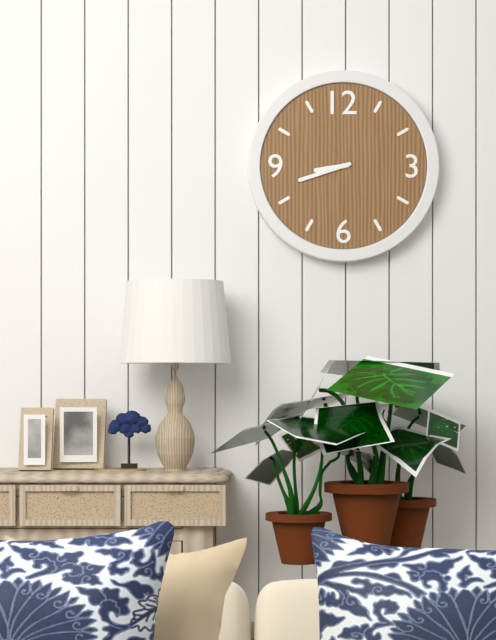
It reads 8:42
